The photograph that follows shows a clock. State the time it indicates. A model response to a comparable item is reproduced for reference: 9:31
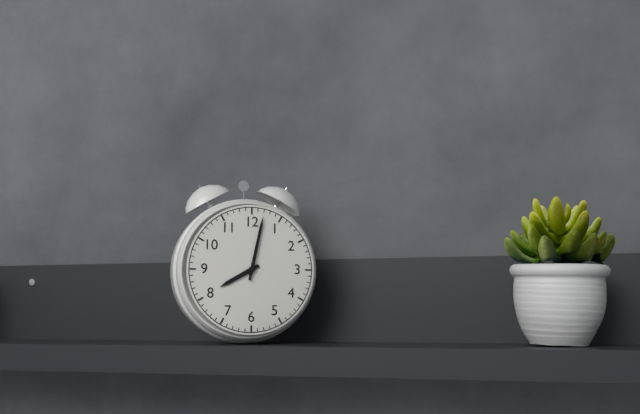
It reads 8:02
